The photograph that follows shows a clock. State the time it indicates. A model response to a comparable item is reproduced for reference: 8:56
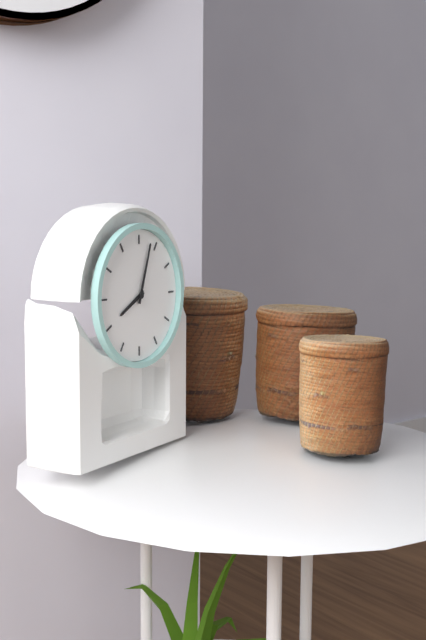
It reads 8:03
